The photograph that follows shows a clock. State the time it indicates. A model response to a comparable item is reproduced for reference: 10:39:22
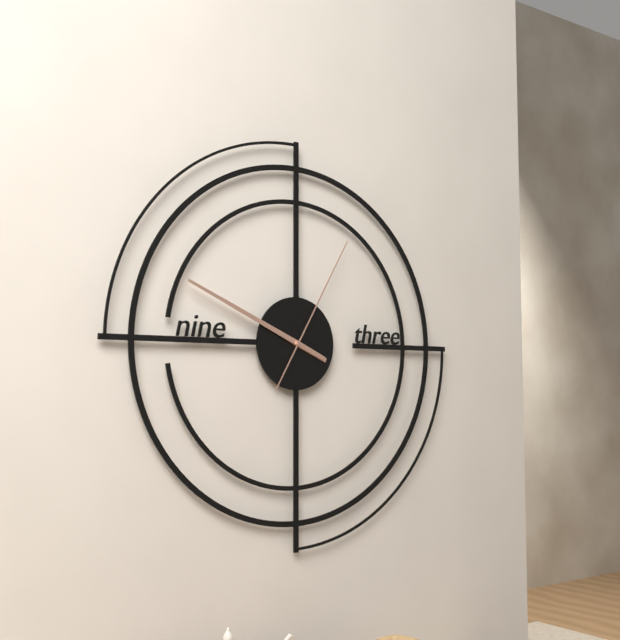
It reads 9:49:05
